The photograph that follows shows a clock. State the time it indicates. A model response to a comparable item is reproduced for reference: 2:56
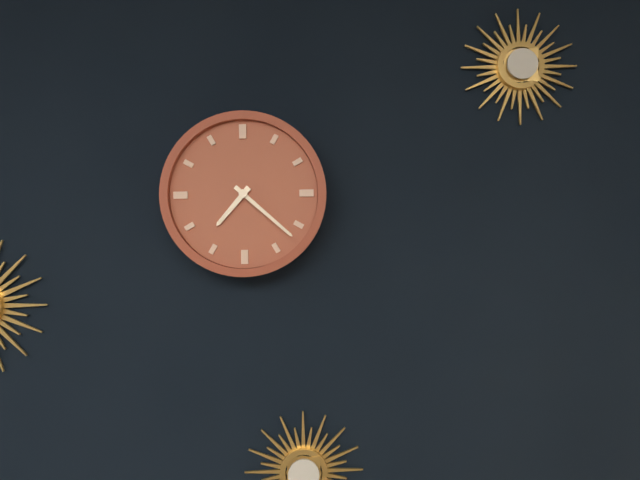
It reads 7:22
